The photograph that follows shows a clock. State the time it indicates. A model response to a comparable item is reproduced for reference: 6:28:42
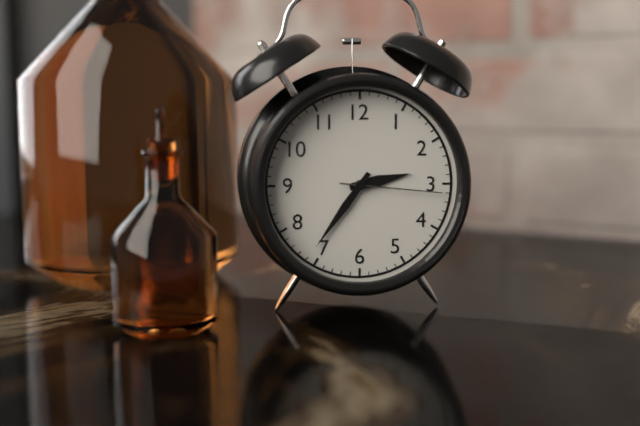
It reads 2:36:16
